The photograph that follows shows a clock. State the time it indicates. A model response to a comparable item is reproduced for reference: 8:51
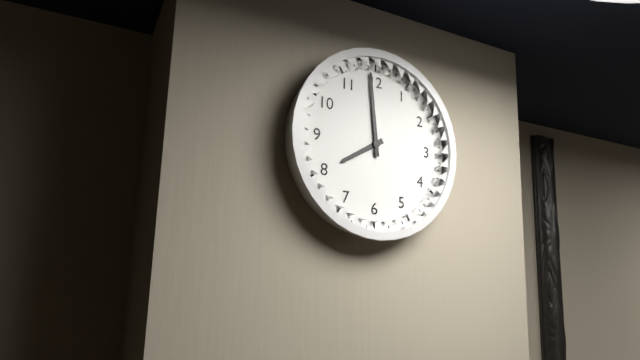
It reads 7:59
